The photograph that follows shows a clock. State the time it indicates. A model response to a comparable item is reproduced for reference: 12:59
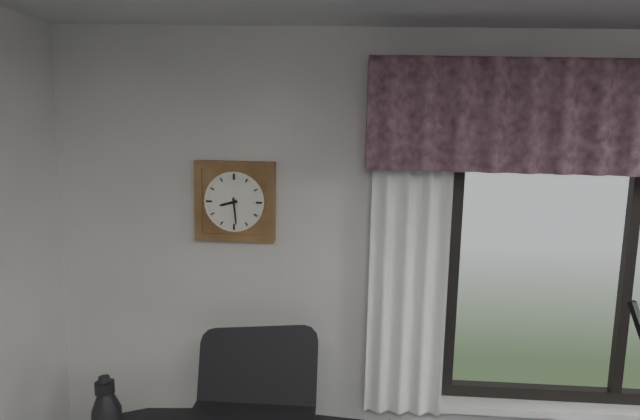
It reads 8:29
